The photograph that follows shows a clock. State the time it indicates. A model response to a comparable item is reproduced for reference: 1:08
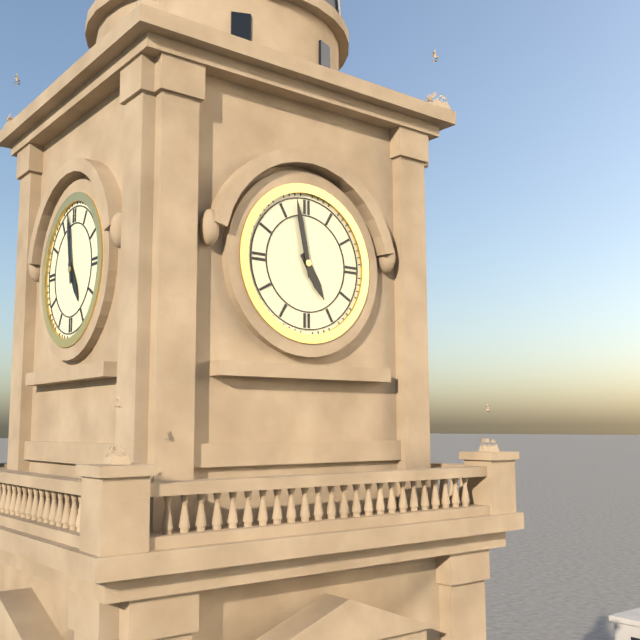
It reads 4:58
